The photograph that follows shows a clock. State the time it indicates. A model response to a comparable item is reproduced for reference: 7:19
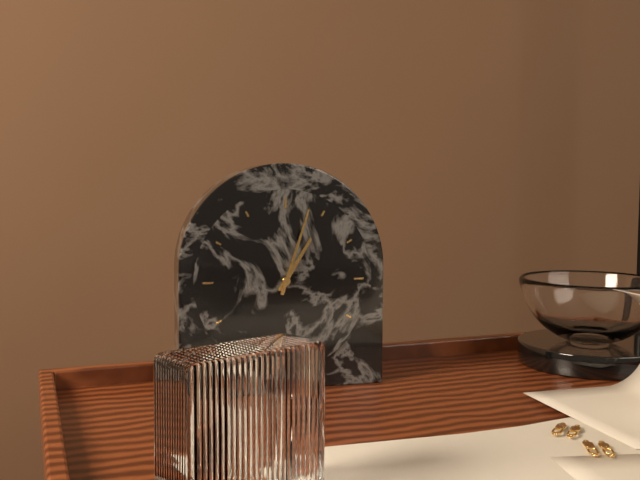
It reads 1:03
